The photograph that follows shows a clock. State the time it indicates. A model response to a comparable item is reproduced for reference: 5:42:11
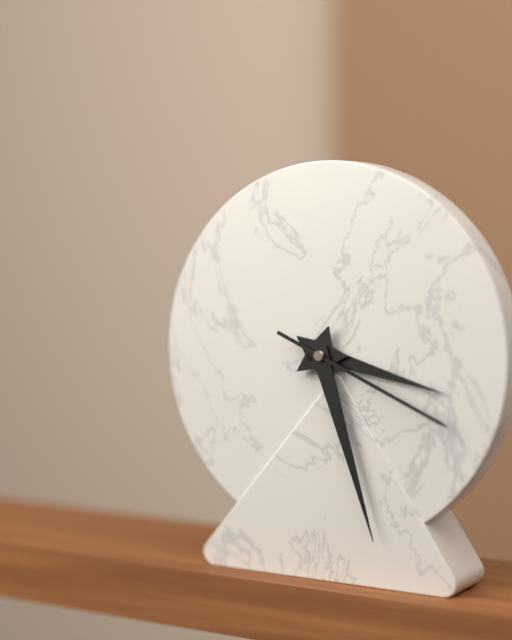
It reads 3:27:19
